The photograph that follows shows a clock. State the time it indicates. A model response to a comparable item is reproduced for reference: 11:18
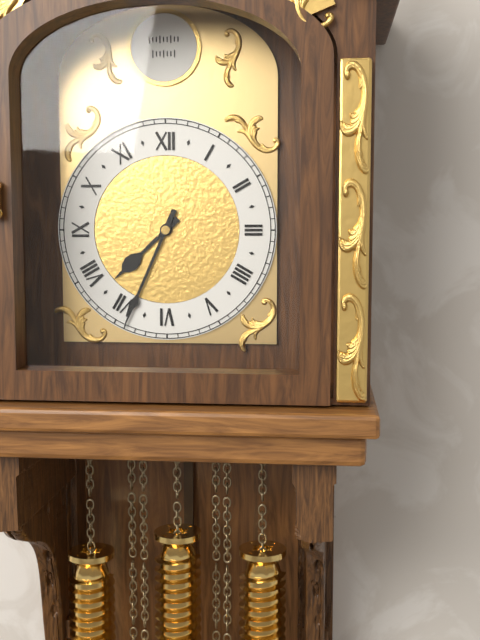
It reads 7:34
